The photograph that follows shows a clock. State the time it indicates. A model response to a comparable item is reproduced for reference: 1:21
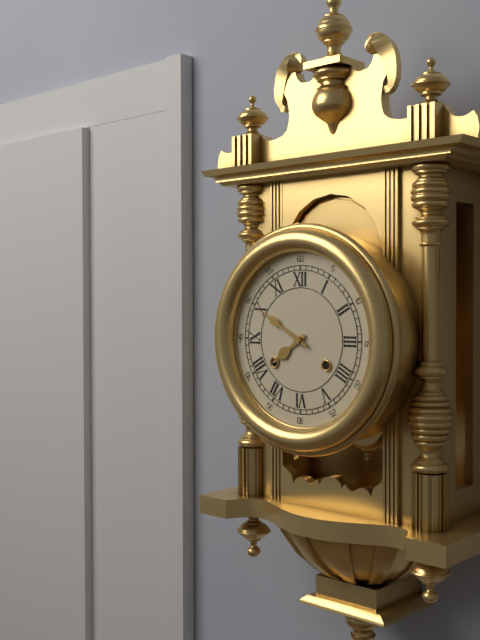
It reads 7:50
